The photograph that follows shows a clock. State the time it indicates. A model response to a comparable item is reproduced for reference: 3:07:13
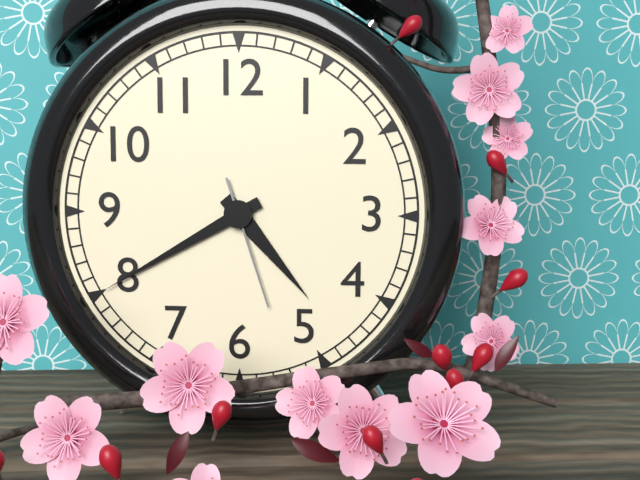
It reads 4:40:27
